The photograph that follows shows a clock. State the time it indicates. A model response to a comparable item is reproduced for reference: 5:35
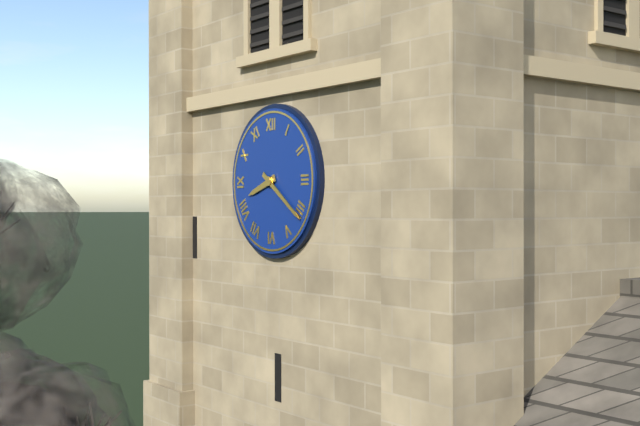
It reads 8:21
